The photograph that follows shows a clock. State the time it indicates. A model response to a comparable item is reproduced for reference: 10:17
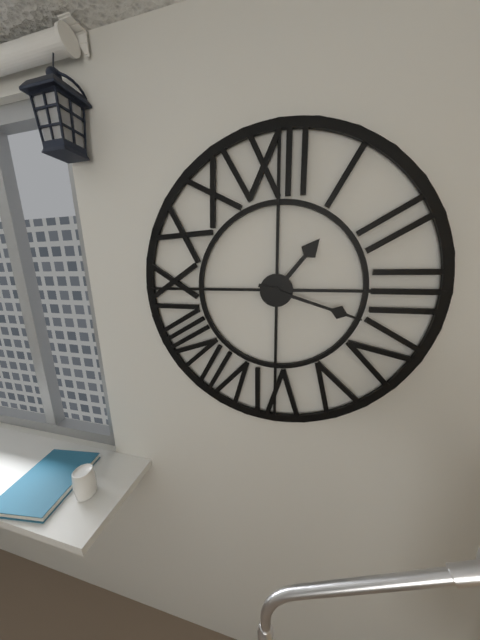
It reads 1:18
